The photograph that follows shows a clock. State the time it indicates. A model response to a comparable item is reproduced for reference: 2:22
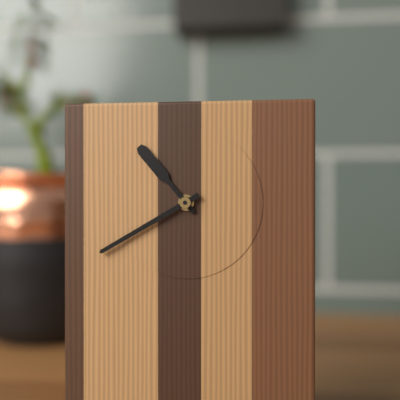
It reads 10:40
